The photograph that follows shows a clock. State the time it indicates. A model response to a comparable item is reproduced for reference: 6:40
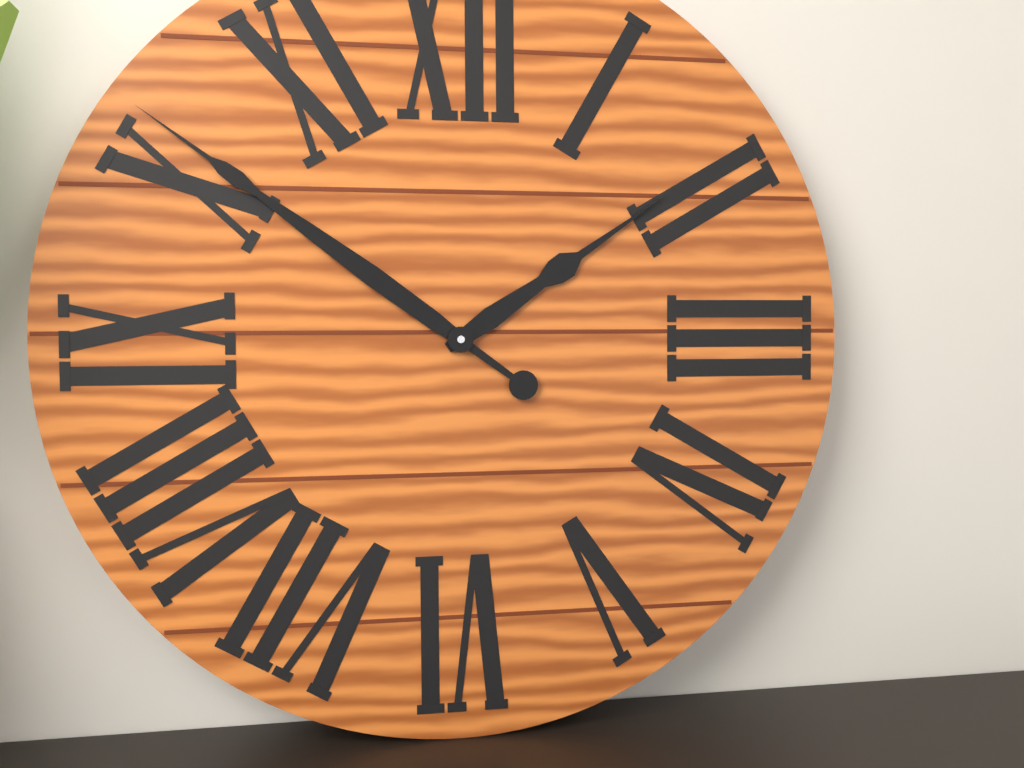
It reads 1:51
